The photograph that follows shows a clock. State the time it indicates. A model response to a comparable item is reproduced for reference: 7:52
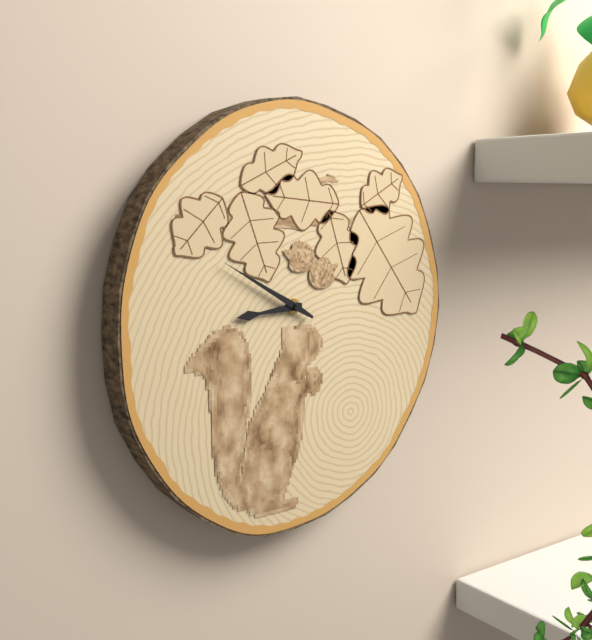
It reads 8:50
